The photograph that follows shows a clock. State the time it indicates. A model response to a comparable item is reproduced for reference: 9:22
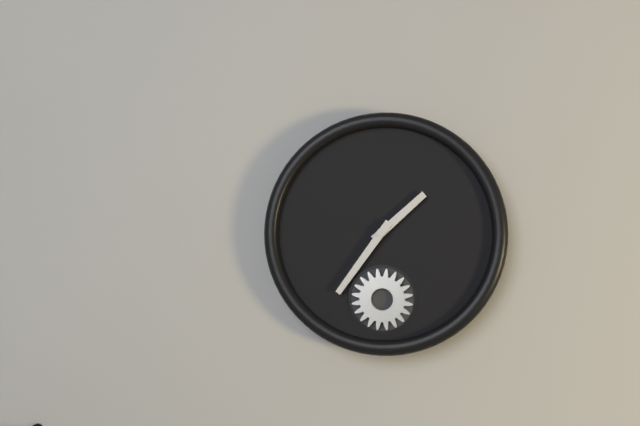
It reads 1:36
